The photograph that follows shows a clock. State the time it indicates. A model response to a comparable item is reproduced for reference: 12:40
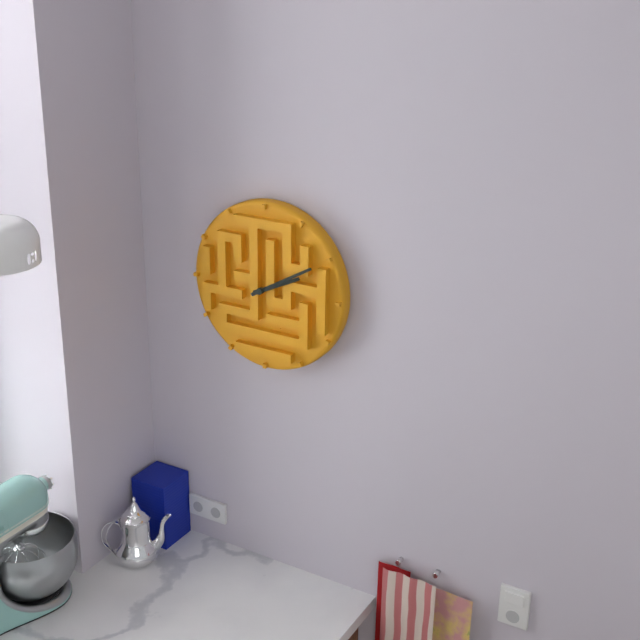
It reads 2:10
